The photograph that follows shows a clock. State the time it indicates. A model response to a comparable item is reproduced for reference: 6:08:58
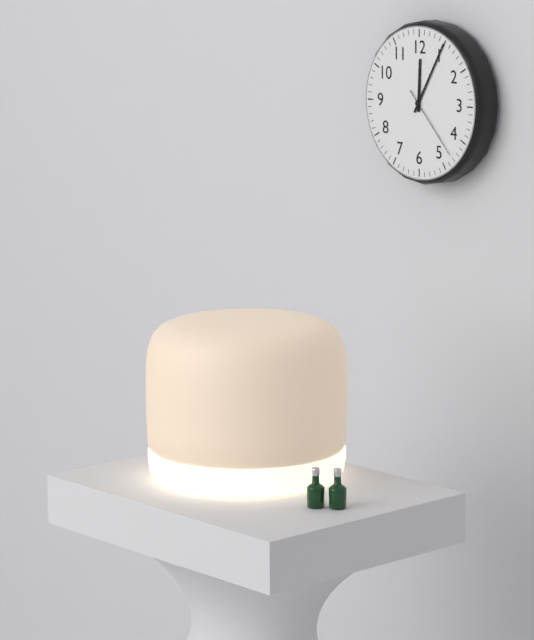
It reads 12:05:23
